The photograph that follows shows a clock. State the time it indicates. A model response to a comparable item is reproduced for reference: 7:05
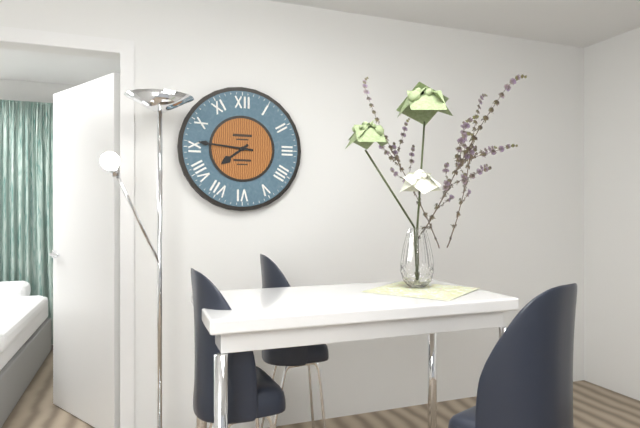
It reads 7:46
